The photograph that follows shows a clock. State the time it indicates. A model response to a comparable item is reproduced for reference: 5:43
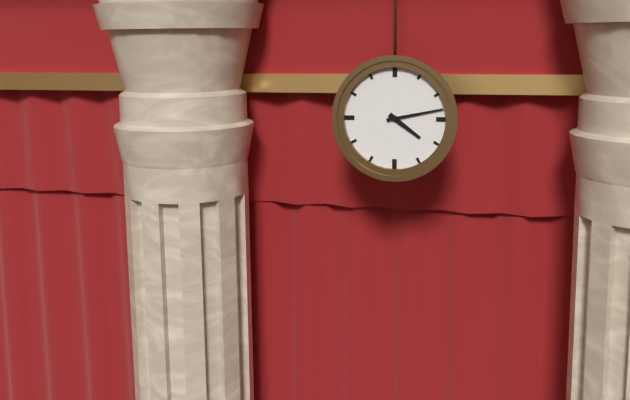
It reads 4:13
